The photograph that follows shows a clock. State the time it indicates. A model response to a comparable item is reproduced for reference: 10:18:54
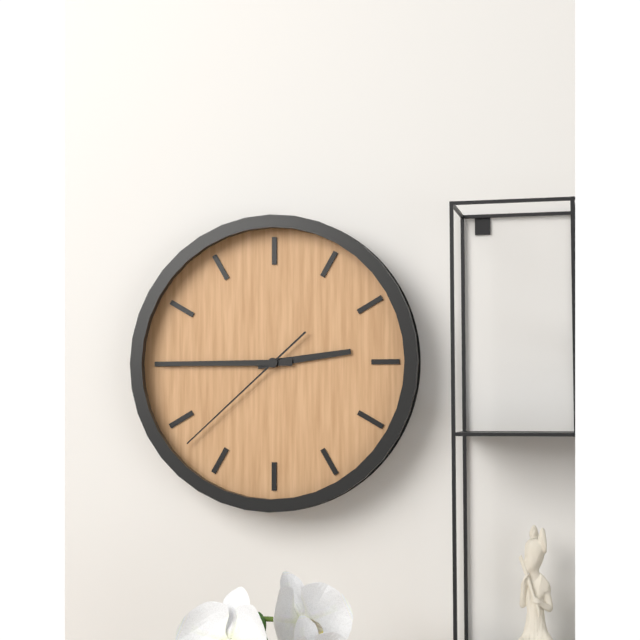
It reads 2:45:38
